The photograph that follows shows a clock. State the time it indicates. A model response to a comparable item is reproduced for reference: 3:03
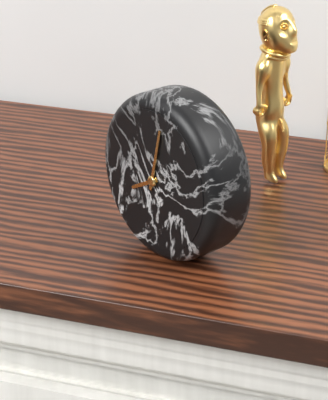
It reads 8:02
